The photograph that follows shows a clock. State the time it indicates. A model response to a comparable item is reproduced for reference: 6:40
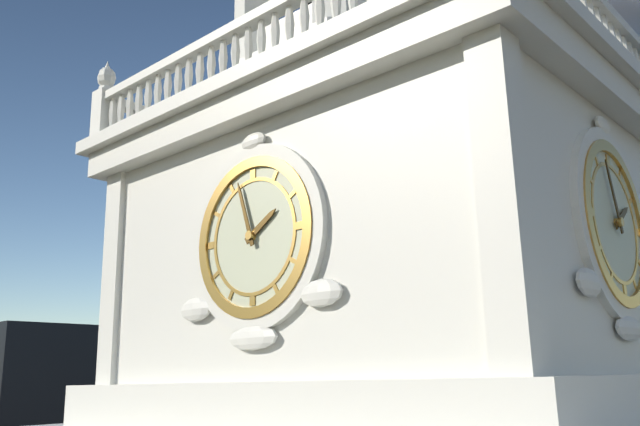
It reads 1:57
